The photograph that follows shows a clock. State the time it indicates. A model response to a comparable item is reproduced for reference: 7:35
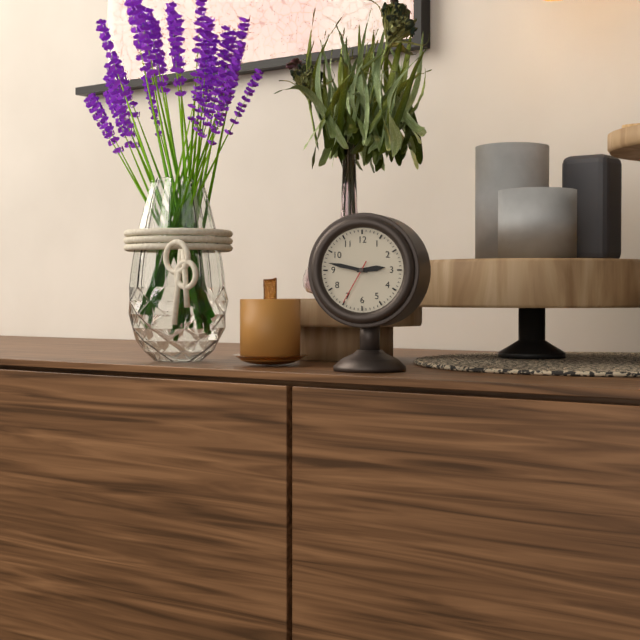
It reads 2:47
